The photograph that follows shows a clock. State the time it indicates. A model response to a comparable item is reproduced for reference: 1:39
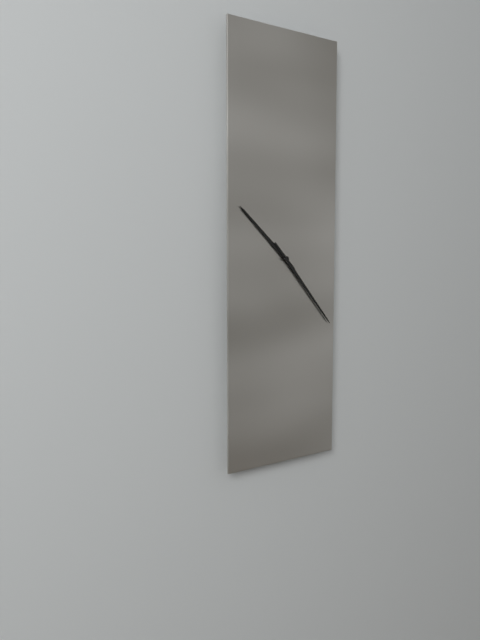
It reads 10:23
